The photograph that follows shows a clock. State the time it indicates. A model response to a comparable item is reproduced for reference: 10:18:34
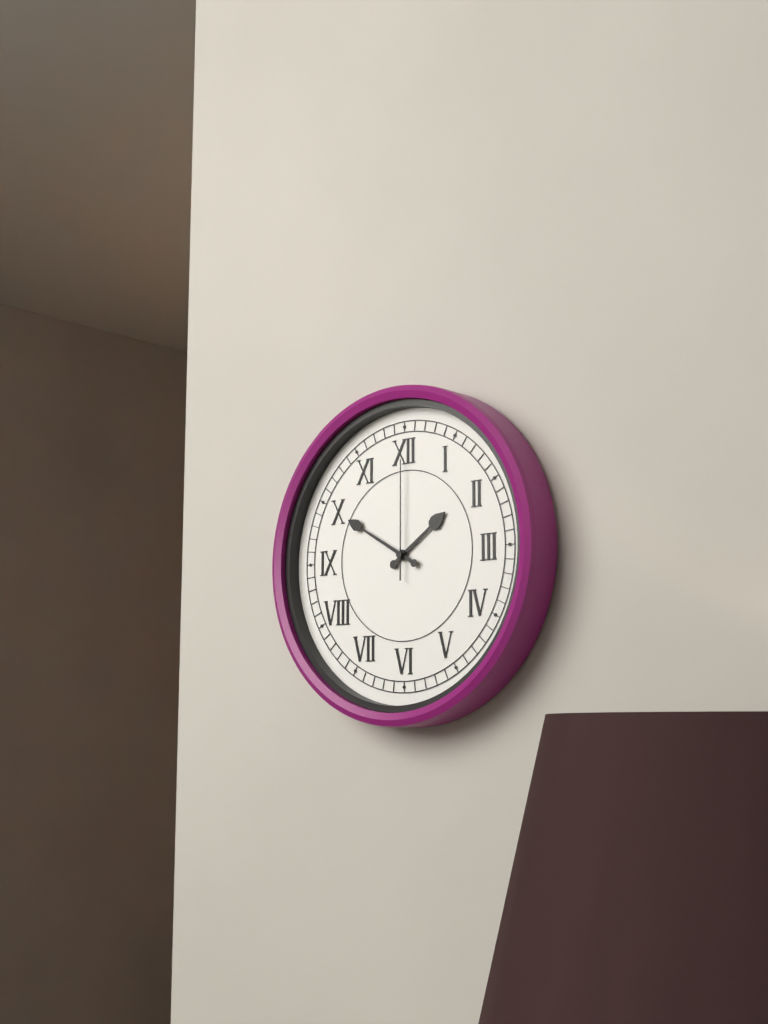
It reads 1:50:00
